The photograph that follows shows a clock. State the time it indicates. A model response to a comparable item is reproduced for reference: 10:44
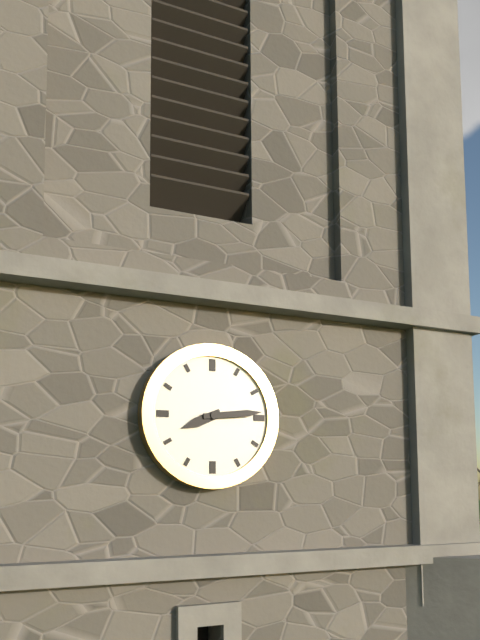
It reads 8:14
